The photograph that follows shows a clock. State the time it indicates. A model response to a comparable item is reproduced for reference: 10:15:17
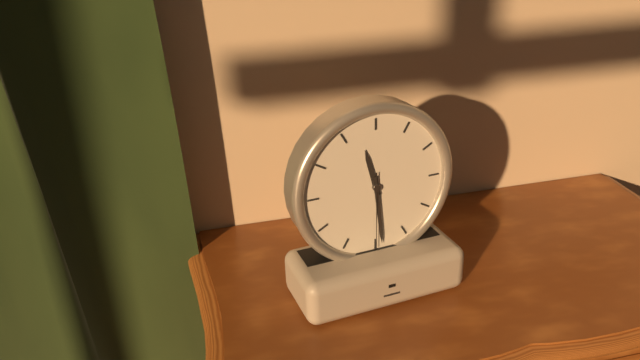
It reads 11:29:30
